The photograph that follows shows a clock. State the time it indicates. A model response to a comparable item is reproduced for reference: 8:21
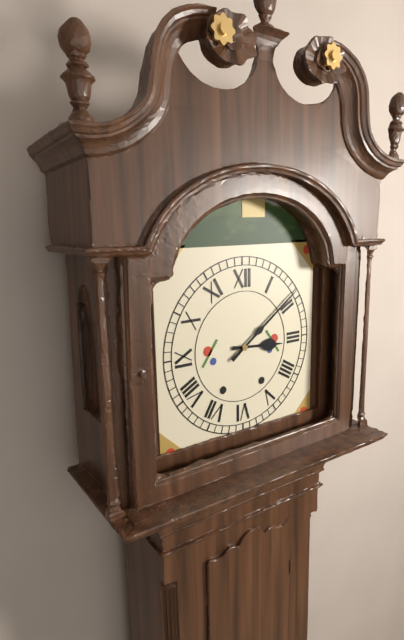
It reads 3:09
